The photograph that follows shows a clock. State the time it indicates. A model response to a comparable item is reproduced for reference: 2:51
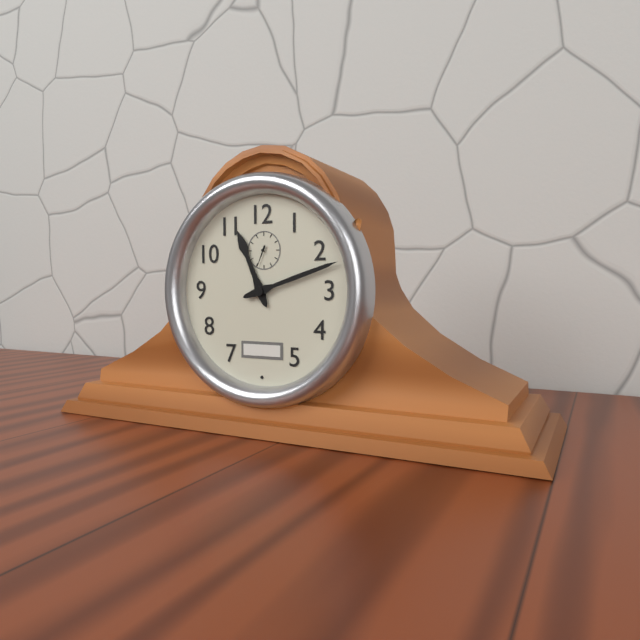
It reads 11:12
